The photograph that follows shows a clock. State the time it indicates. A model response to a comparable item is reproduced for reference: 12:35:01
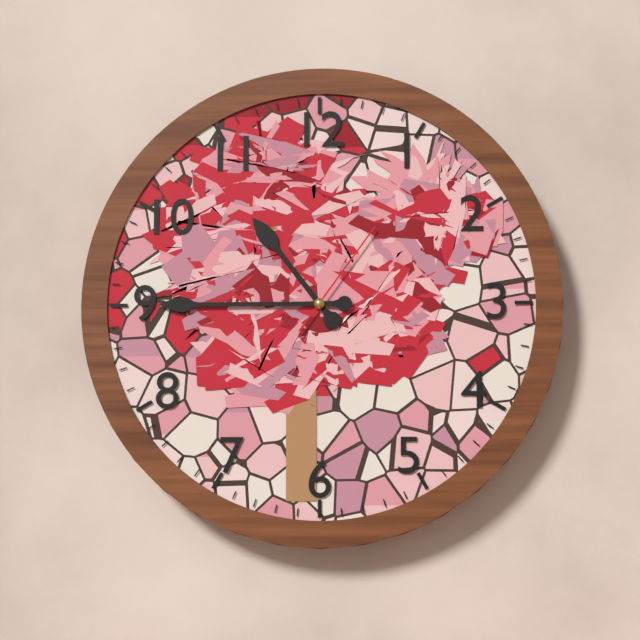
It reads 10:45:06
